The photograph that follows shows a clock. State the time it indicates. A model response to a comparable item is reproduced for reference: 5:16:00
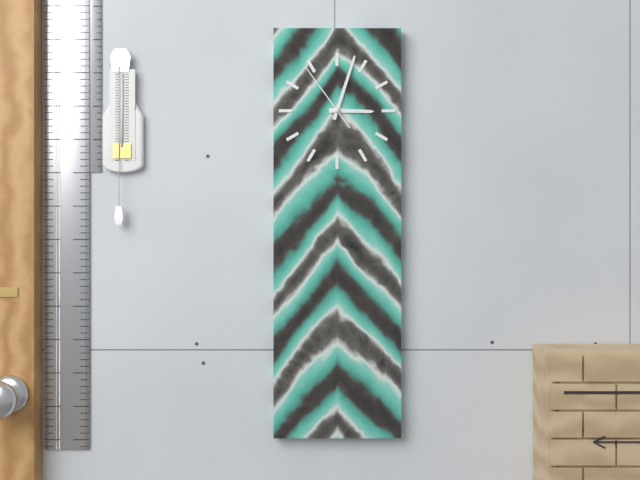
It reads 3:03:54
